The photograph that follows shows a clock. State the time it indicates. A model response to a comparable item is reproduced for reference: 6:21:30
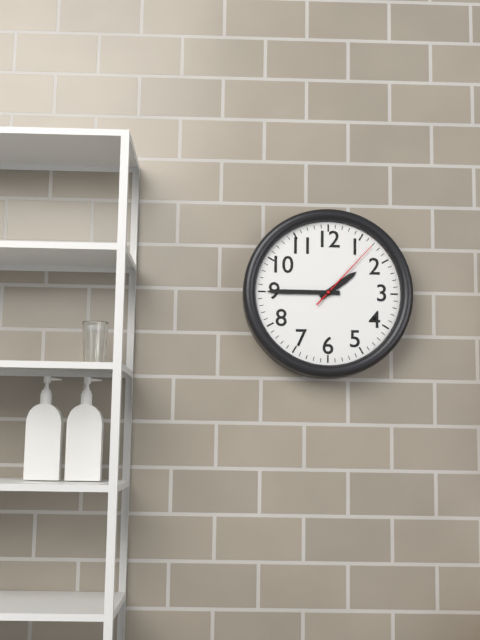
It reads 1:45:07
